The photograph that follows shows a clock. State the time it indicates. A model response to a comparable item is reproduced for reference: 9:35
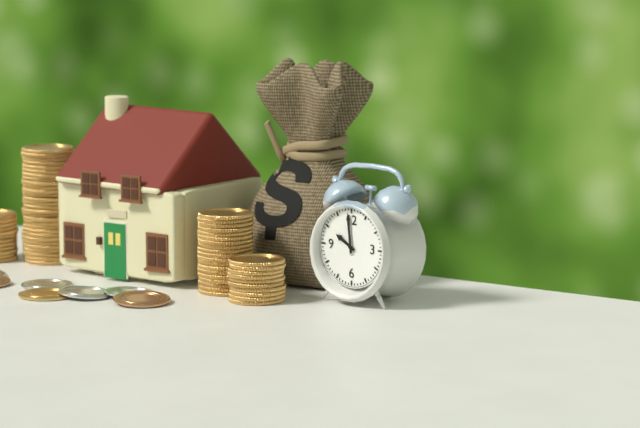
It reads 9:59
